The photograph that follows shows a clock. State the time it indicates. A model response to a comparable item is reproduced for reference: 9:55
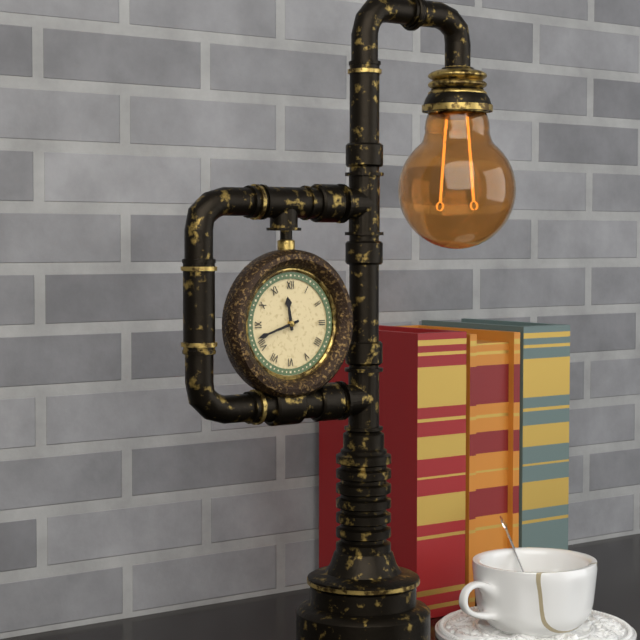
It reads 11:42
